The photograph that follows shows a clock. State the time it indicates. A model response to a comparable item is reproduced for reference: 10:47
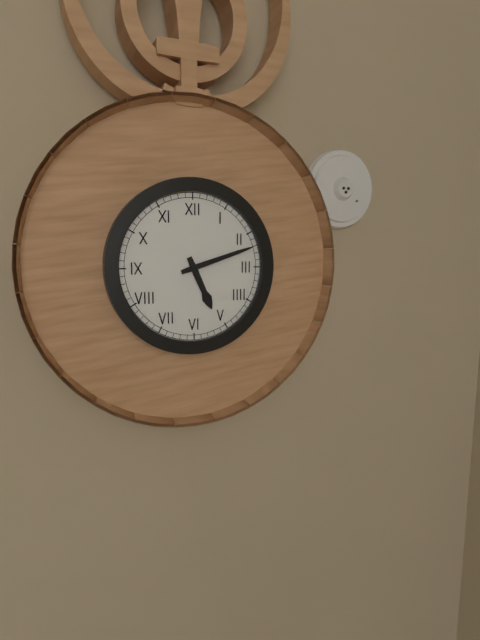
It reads 5:12
